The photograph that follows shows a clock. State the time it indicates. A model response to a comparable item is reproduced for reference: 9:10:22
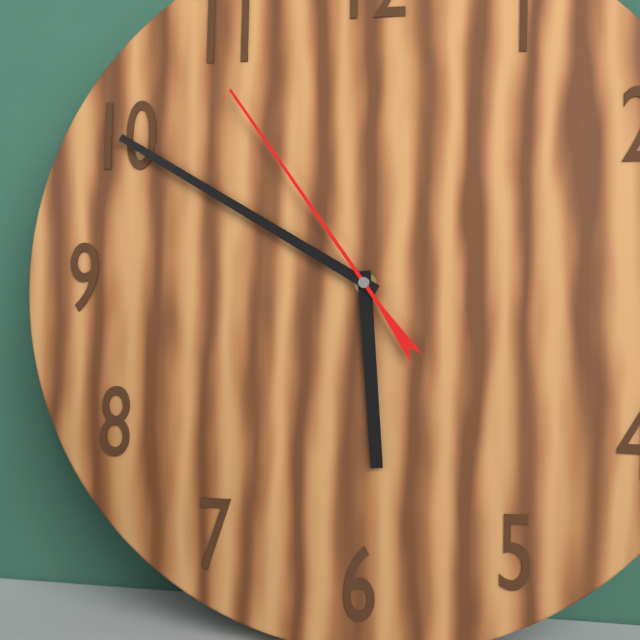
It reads 5:50:54
